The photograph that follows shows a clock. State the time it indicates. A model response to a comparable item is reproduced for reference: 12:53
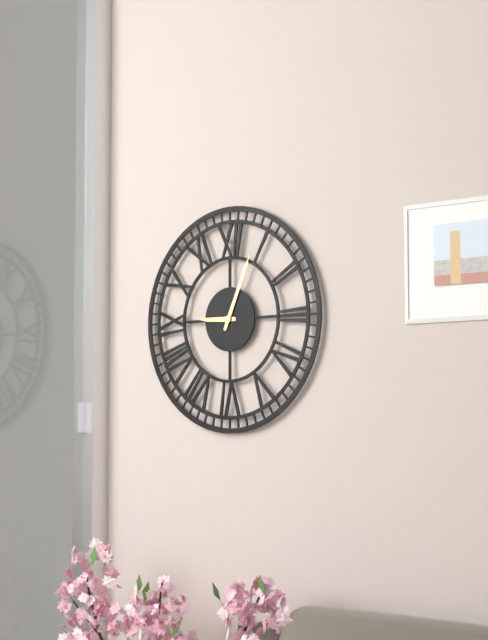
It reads 9:04
